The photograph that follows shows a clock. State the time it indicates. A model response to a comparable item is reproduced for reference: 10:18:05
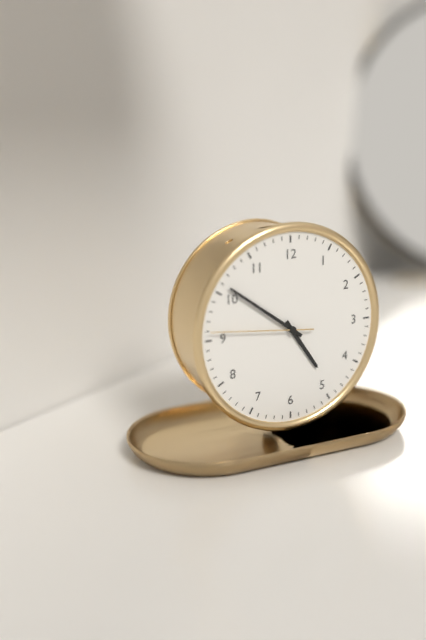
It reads 4:51:46
